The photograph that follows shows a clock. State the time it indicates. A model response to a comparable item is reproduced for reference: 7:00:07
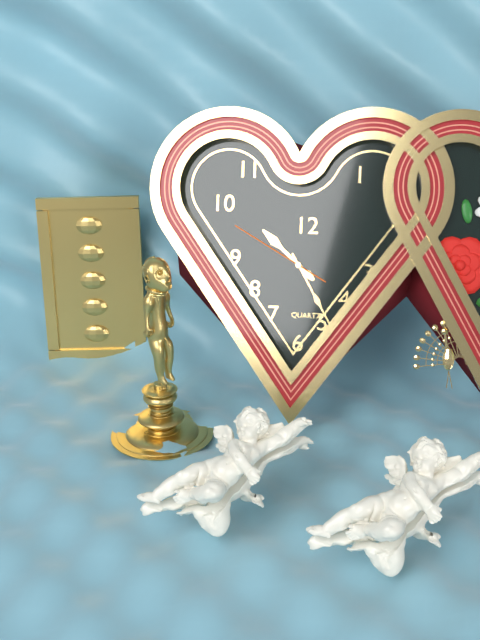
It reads 10:25:50
